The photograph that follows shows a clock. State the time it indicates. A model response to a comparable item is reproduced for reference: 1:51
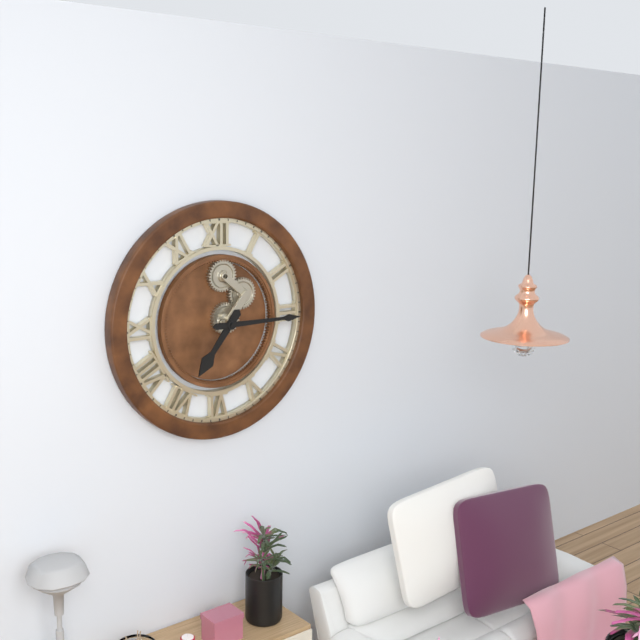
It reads 7:15
